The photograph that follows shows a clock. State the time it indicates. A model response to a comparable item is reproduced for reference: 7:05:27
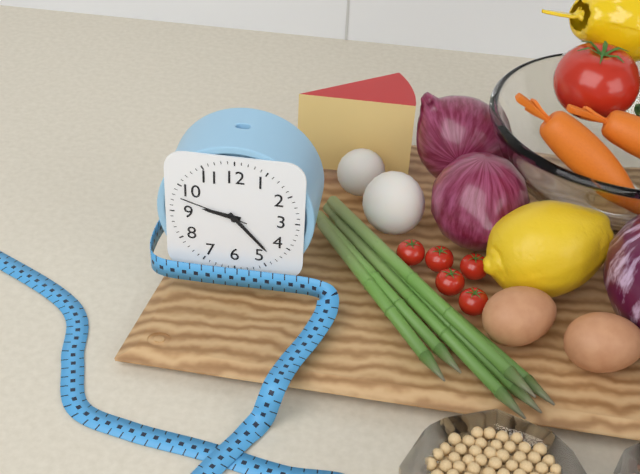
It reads 9:23:48
